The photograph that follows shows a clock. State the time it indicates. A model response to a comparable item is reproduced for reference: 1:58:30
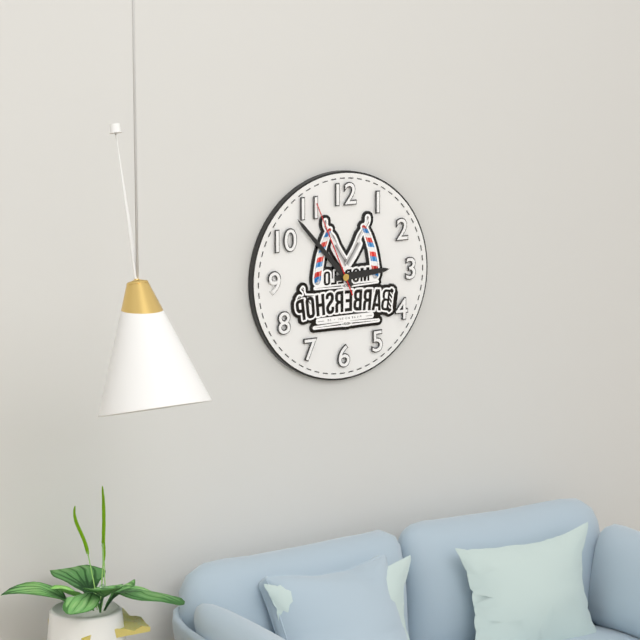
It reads 2:53:56
